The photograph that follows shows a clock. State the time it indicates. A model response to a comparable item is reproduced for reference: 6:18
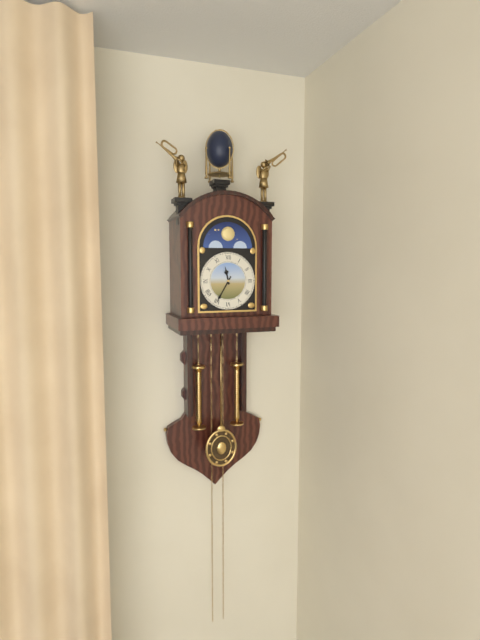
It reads 11:35
